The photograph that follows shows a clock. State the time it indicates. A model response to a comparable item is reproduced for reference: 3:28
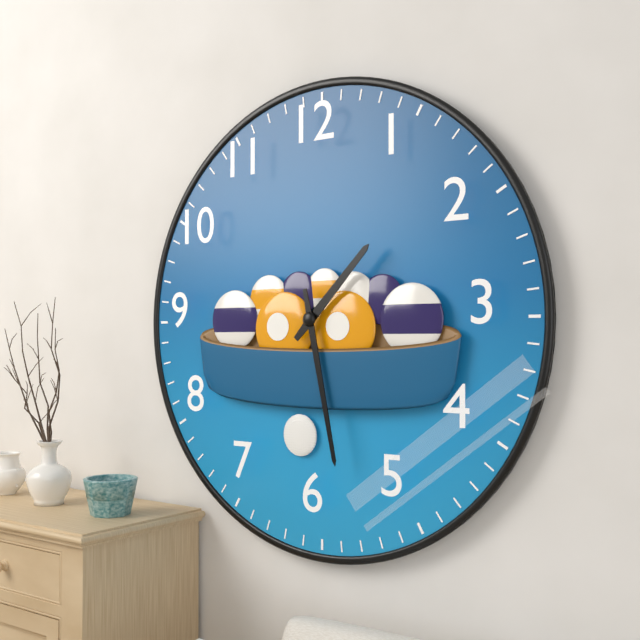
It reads 1:28
